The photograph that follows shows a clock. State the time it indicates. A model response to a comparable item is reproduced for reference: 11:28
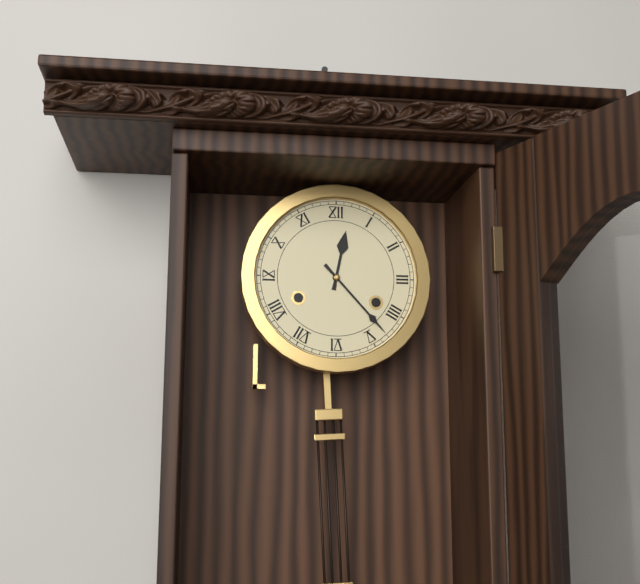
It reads 12:23
